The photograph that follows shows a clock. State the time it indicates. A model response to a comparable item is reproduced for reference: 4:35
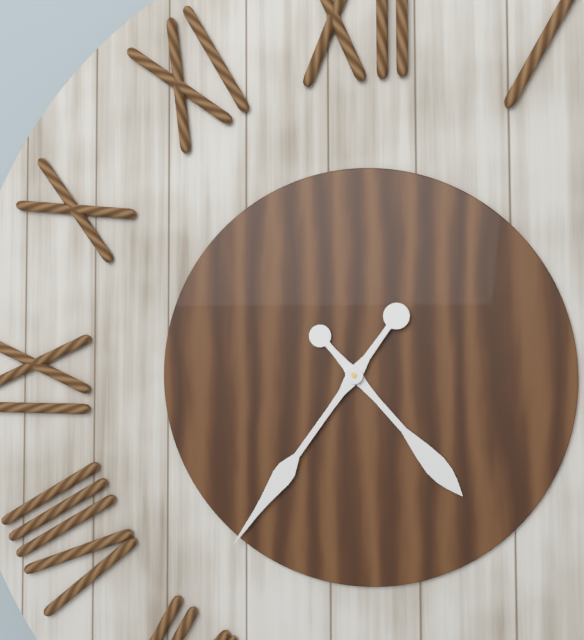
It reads 4:36
